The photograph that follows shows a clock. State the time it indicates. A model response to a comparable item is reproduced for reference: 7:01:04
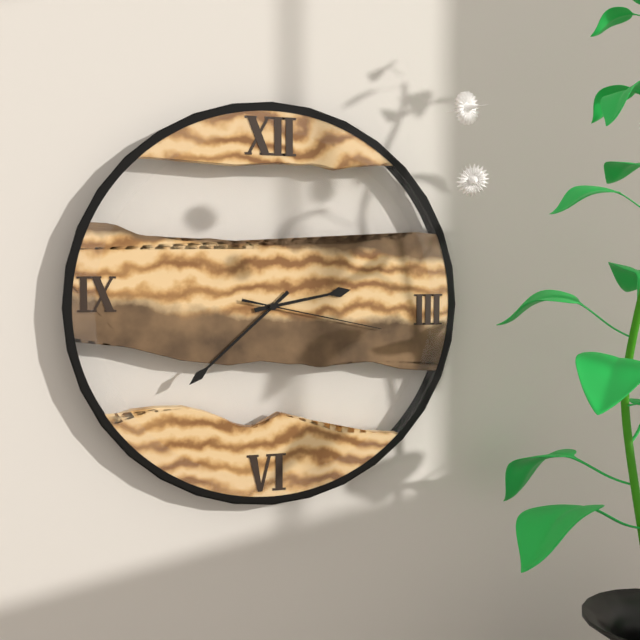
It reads 2:38:17
